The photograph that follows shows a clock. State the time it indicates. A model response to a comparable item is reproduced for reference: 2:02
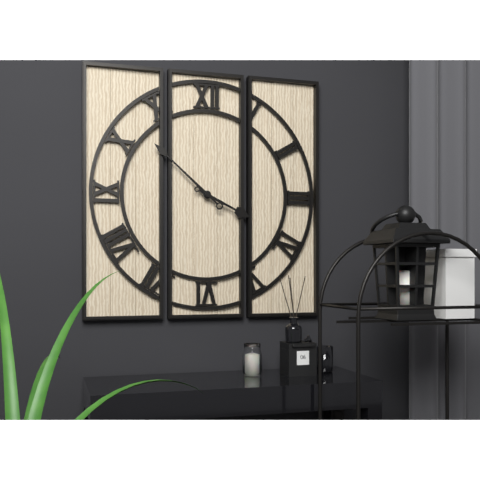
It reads 3:52
